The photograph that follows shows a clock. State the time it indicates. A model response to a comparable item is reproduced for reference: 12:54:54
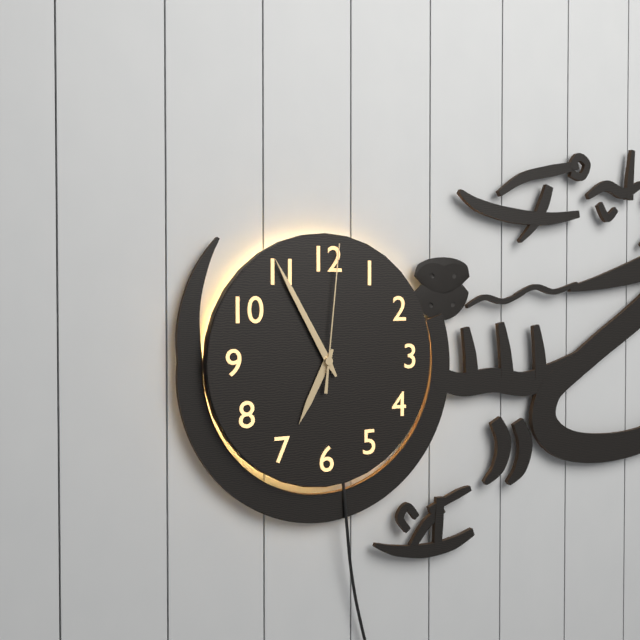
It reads 6:55:01
